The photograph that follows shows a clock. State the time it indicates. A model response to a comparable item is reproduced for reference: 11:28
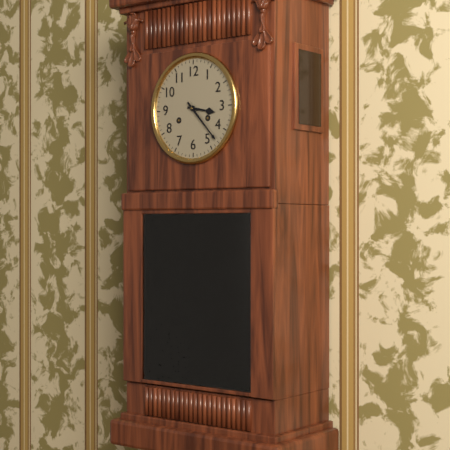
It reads 3:23
